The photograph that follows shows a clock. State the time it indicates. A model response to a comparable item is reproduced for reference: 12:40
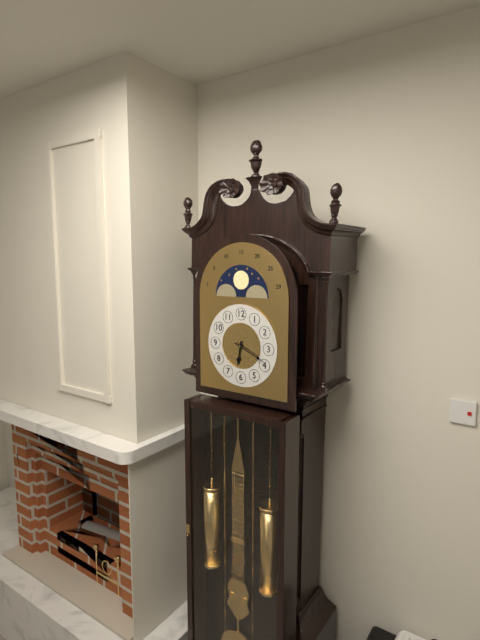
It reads 6:19
